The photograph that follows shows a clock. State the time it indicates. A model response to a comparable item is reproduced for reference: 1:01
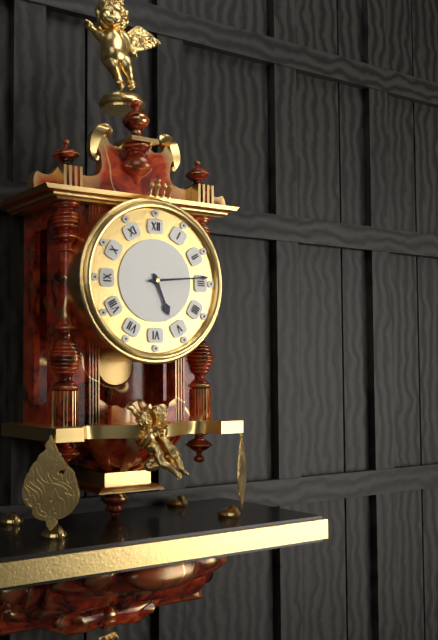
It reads 5:14
